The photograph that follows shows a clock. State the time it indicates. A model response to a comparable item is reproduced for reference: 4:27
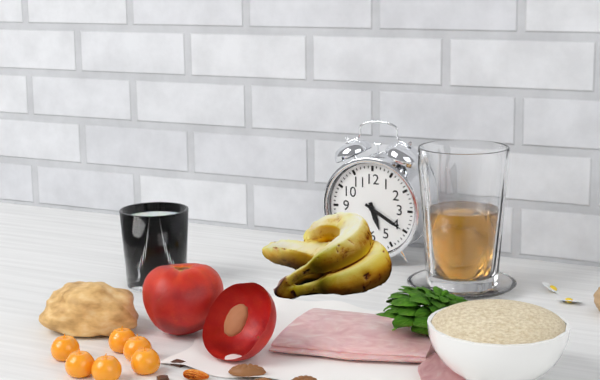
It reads 5:20
